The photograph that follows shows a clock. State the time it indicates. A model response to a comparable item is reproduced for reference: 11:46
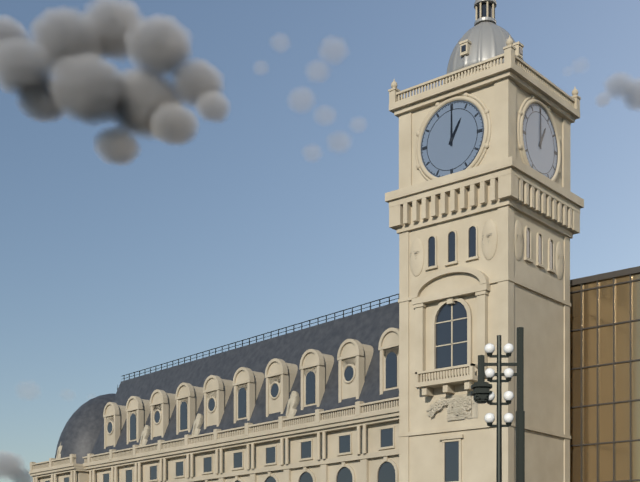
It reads 1:00
